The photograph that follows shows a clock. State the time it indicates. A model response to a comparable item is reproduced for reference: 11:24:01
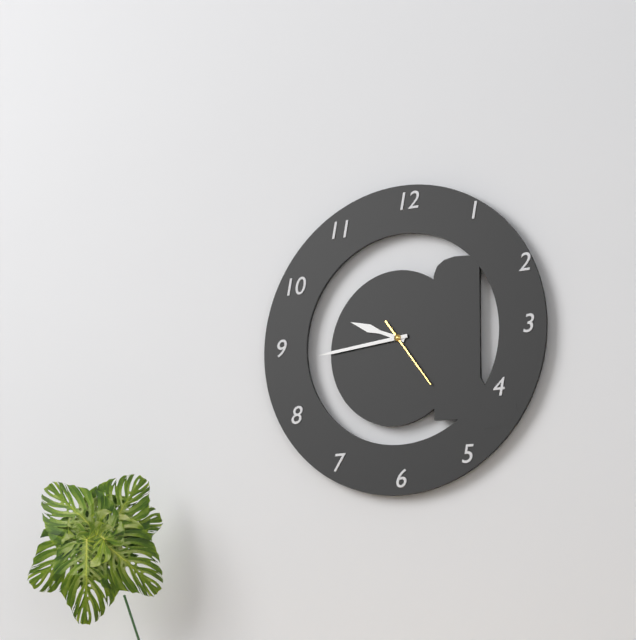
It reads 9:44:24
